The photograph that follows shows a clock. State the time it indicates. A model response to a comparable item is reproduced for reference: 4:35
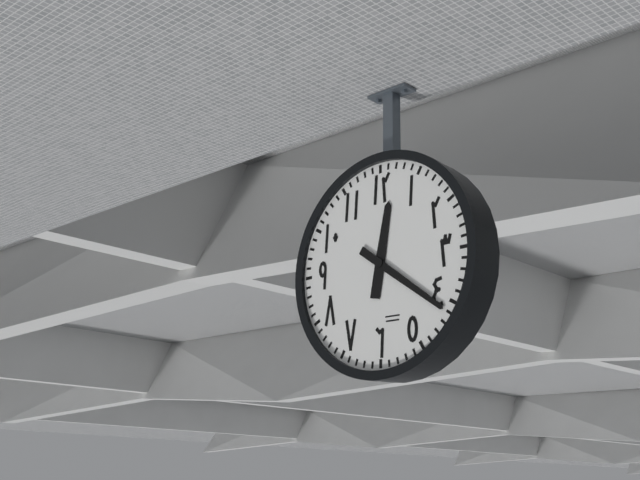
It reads 12:21
